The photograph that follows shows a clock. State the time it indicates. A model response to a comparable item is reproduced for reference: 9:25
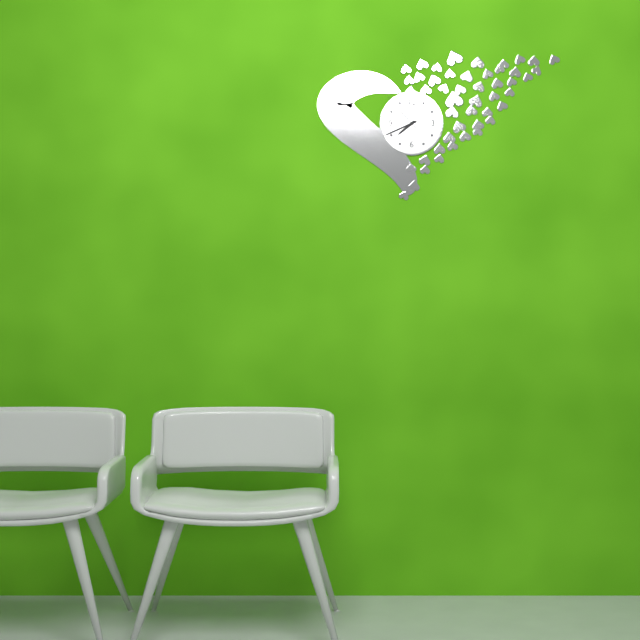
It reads 7:41
